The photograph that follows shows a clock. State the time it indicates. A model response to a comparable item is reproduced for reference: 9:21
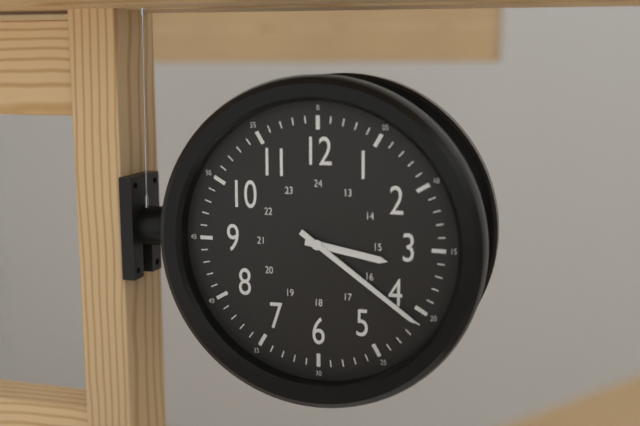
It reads 3:21
